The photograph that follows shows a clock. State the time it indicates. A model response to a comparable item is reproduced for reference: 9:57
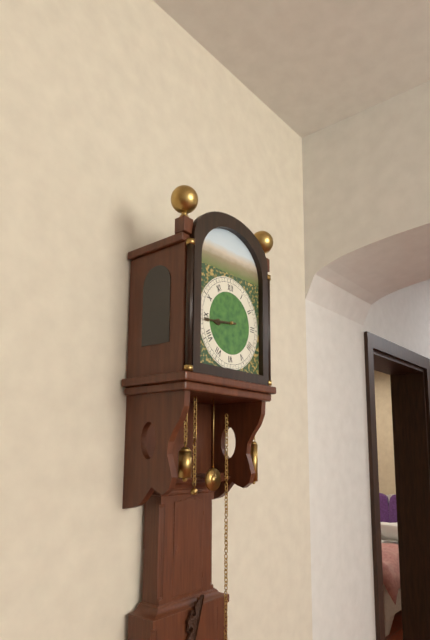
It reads 8:44
